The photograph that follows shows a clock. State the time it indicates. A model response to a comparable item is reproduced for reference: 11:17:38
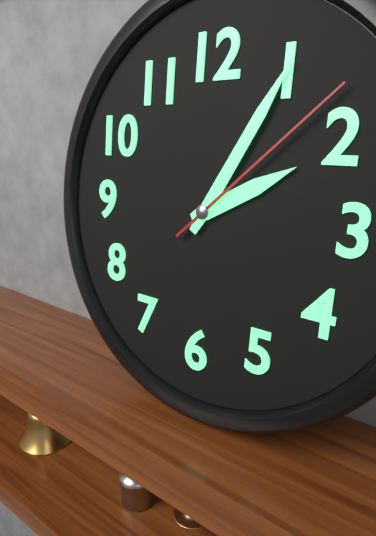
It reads 2:05:08
